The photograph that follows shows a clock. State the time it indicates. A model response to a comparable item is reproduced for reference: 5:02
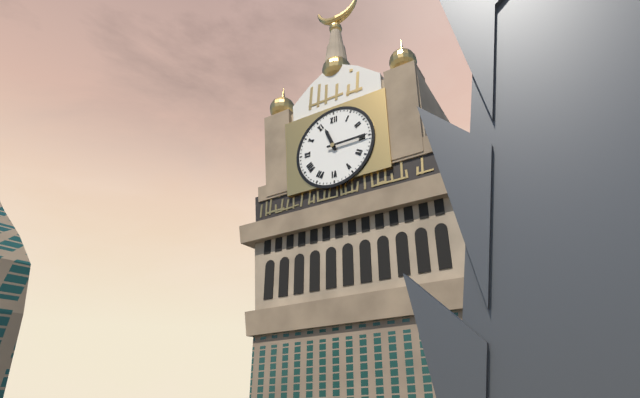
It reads 11:15
